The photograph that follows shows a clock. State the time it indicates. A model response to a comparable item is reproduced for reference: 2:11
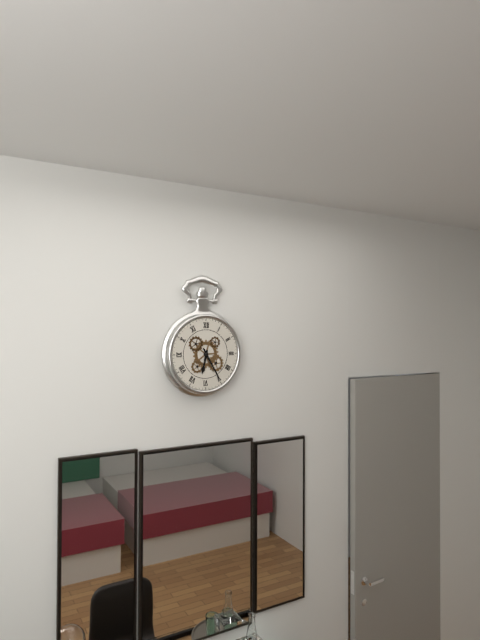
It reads 6:25
